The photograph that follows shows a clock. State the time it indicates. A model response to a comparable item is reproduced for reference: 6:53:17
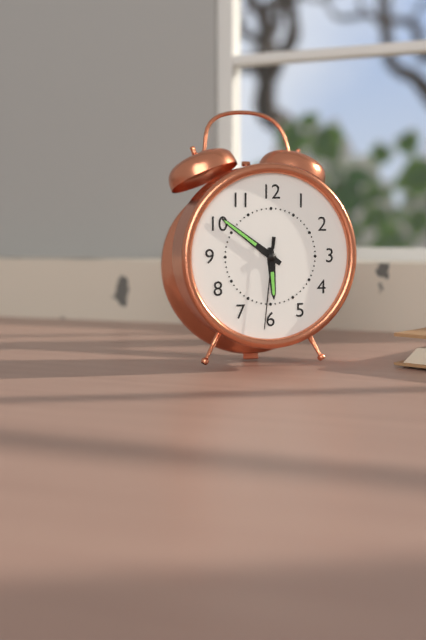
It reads 5:51:31
